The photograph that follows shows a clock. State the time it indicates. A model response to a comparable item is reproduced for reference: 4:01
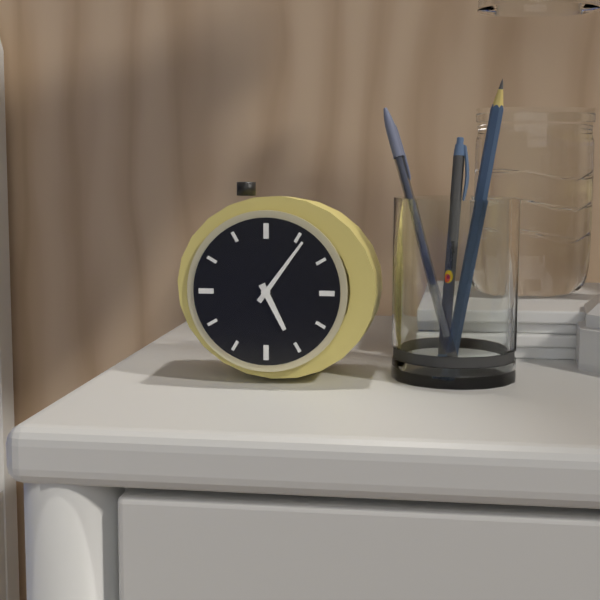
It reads 5:06
